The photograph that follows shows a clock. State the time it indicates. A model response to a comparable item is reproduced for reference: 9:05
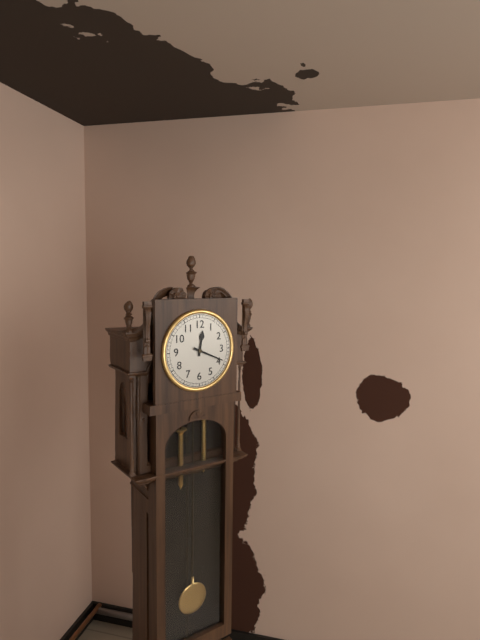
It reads 12:19
